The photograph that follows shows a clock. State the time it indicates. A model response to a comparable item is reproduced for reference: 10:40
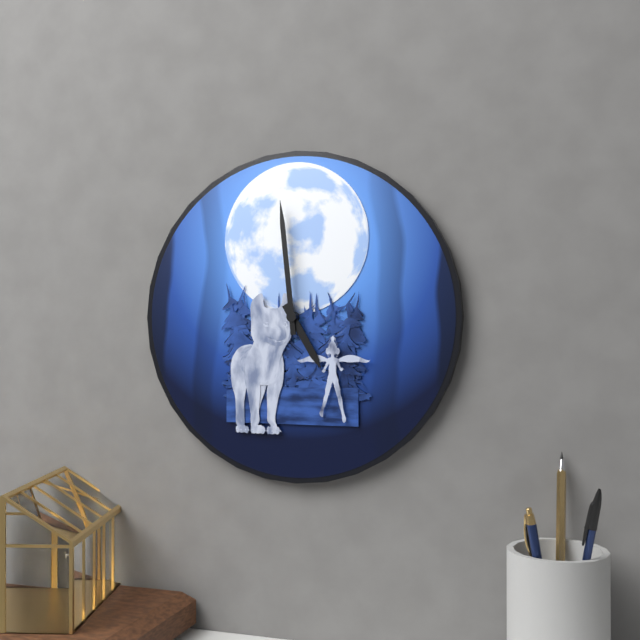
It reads 4:59
